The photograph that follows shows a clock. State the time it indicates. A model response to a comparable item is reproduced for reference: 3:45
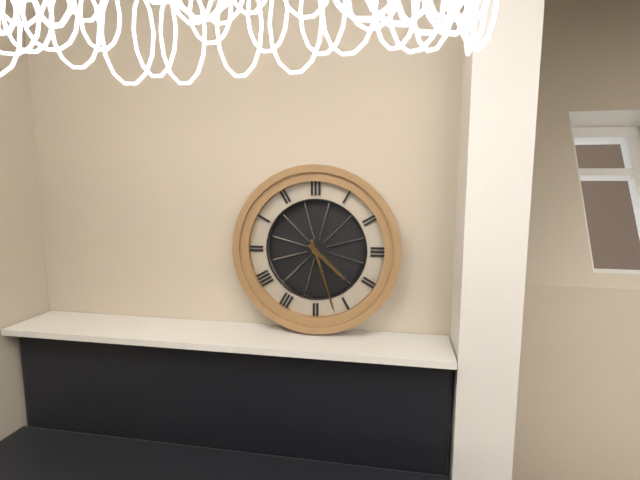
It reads 4:27
